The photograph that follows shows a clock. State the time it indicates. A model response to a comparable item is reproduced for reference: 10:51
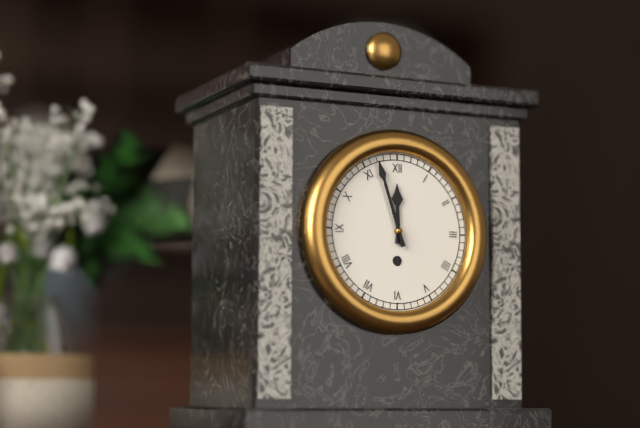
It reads 11:57
